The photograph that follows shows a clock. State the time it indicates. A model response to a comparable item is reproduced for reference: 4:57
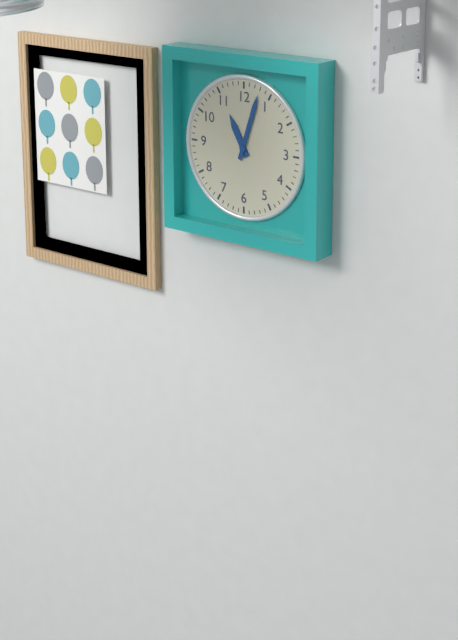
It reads 11:03
